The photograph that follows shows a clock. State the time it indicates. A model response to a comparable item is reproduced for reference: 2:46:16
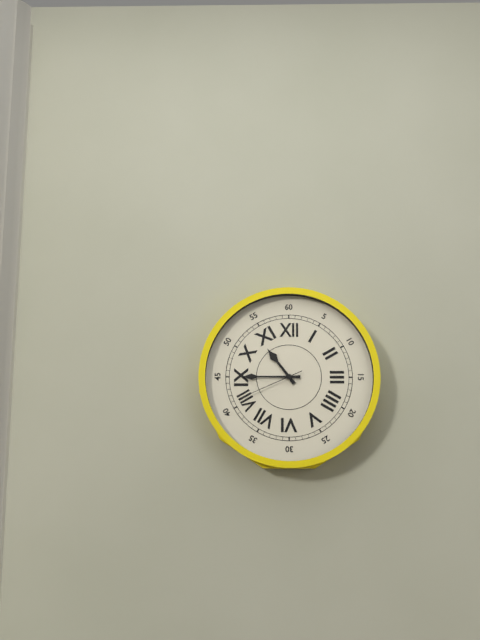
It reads 10:45:41
